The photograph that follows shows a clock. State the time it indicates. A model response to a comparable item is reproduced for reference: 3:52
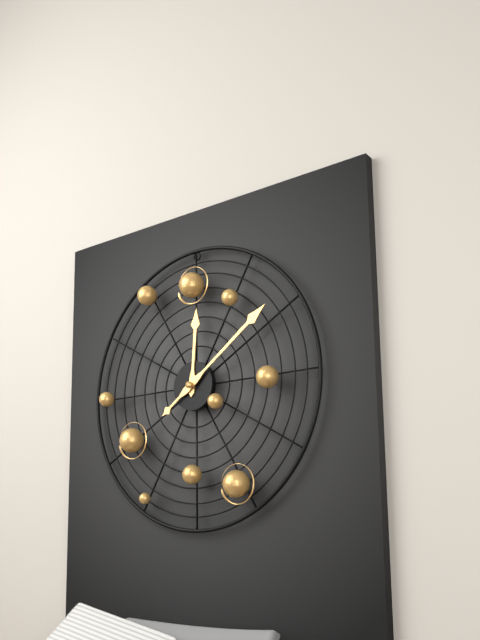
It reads 12:09
